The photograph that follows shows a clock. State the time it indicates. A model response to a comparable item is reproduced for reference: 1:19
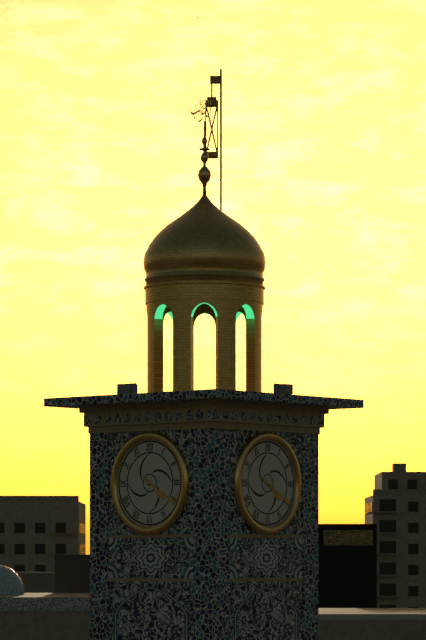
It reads 4:20
